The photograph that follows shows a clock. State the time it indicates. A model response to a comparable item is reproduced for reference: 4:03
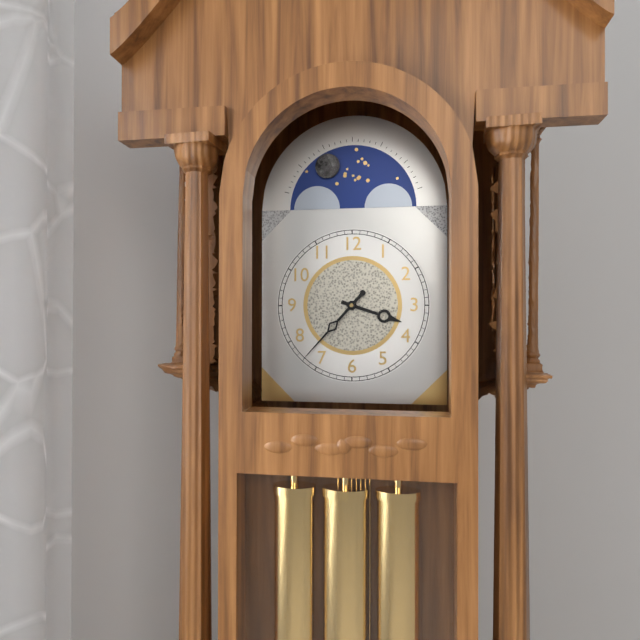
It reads 3:37
